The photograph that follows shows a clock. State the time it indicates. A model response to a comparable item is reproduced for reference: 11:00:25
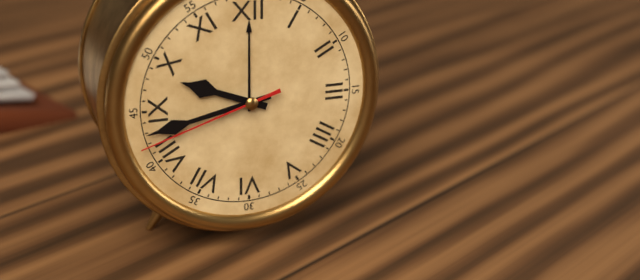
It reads 9:43:42
